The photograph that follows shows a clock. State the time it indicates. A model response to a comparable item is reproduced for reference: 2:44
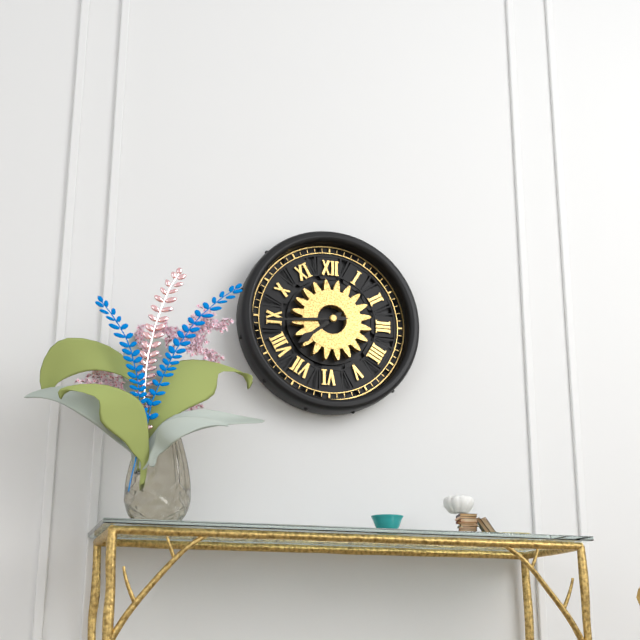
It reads 7:44
